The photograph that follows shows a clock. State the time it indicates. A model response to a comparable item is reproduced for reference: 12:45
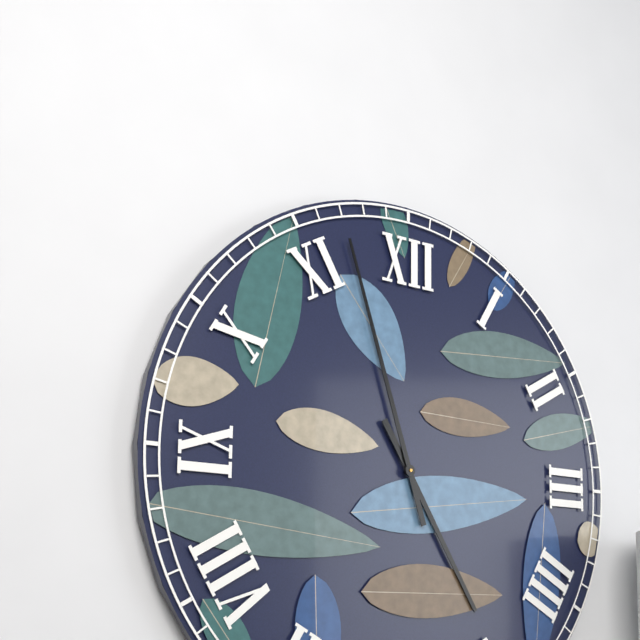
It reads 4:57
